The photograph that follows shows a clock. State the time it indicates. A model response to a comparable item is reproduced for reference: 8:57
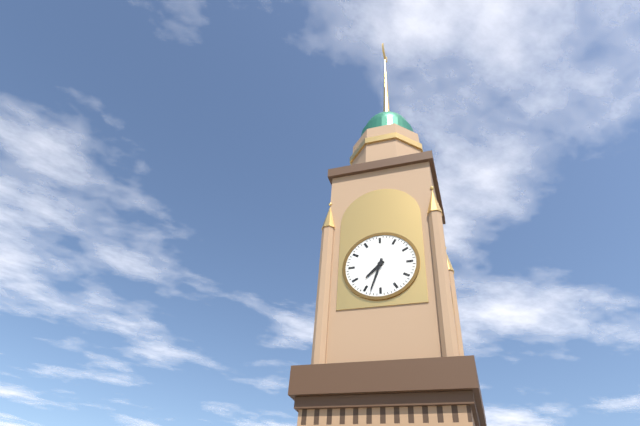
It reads 7:33
